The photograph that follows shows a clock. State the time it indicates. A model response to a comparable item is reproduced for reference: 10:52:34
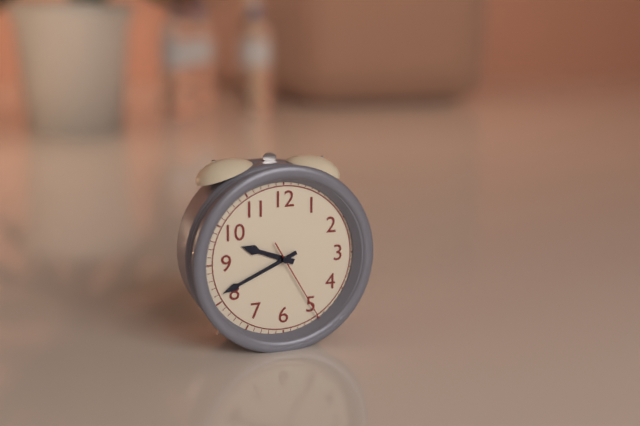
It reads 9:41:25
